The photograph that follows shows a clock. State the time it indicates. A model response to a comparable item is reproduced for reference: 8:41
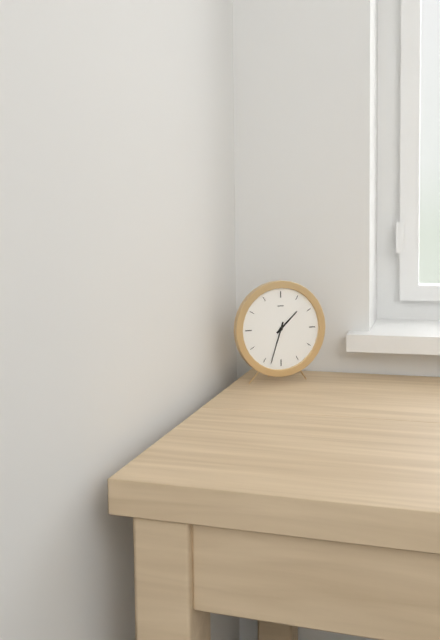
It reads 1:33
